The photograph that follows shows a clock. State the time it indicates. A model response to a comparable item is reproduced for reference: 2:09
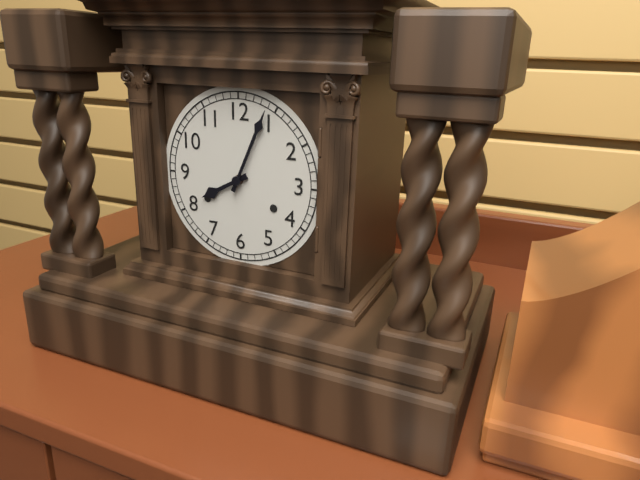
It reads 8:04
